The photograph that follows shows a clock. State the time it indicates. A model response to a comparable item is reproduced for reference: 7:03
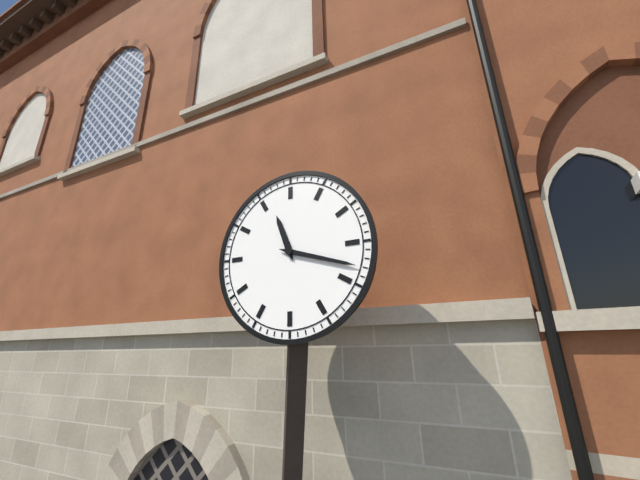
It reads 11:18
